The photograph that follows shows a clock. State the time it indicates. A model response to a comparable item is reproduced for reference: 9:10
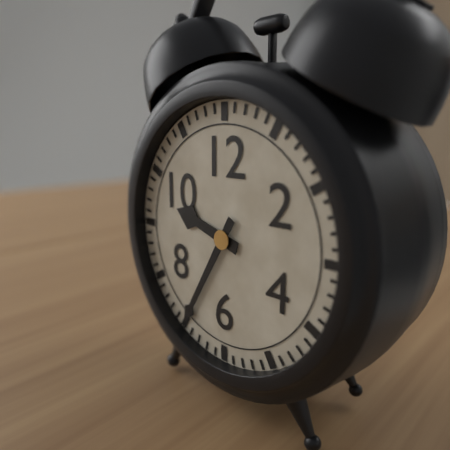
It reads 9:35
